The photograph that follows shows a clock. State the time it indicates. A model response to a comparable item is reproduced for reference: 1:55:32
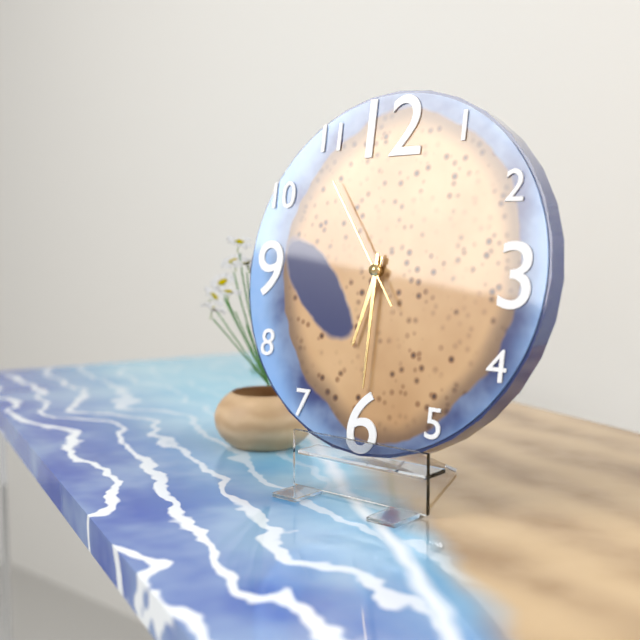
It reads 6:30:54
